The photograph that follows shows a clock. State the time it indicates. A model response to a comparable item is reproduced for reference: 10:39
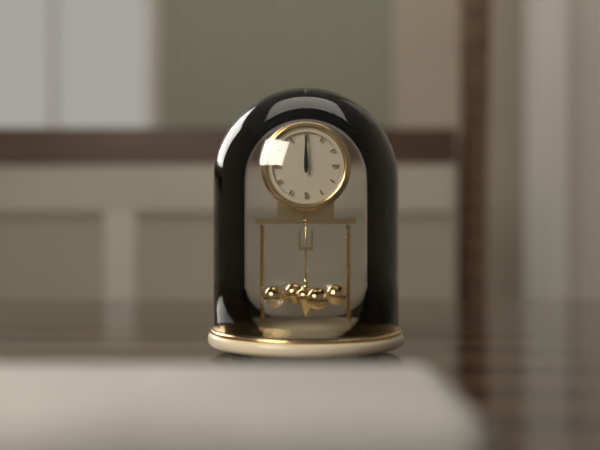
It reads 12:00
